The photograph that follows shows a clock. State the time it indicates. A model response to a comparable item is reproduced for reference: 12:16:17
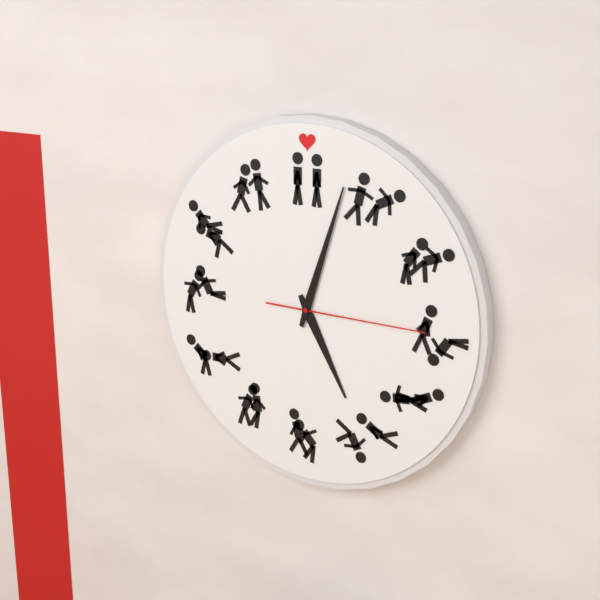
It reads 5:03:15
